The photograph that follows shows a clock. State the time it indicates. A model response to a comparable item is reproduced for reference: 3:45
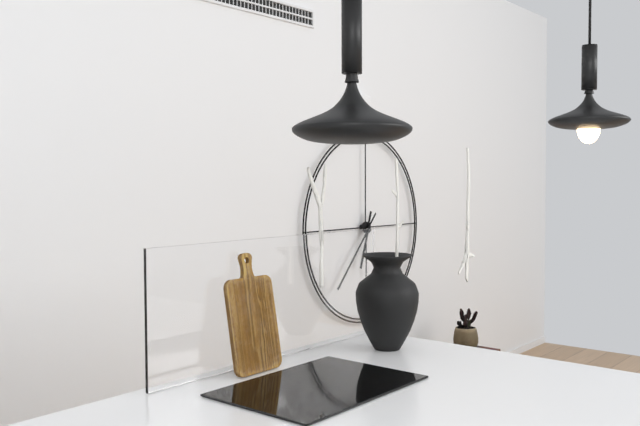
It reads 6:37
